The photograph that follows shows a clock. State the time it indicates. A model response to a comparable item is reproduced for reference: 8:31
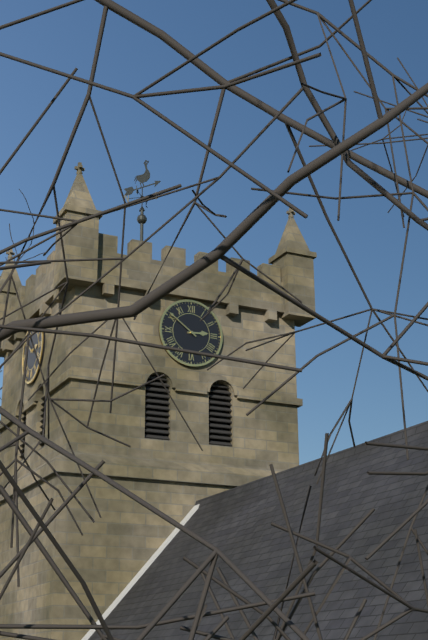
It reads 2:51
